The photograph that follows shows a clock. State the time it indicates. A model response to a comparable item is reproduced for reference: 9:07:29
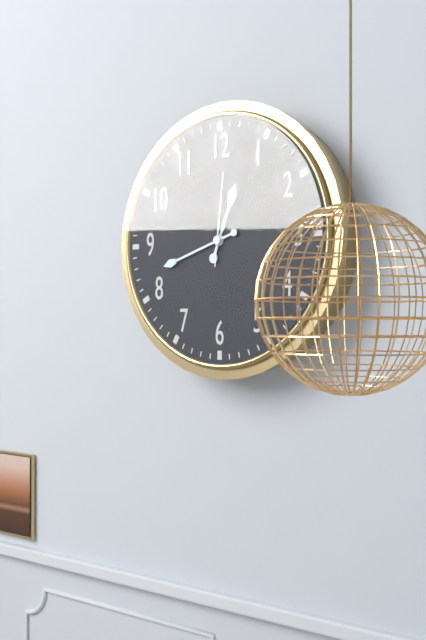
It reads 12:42:01
